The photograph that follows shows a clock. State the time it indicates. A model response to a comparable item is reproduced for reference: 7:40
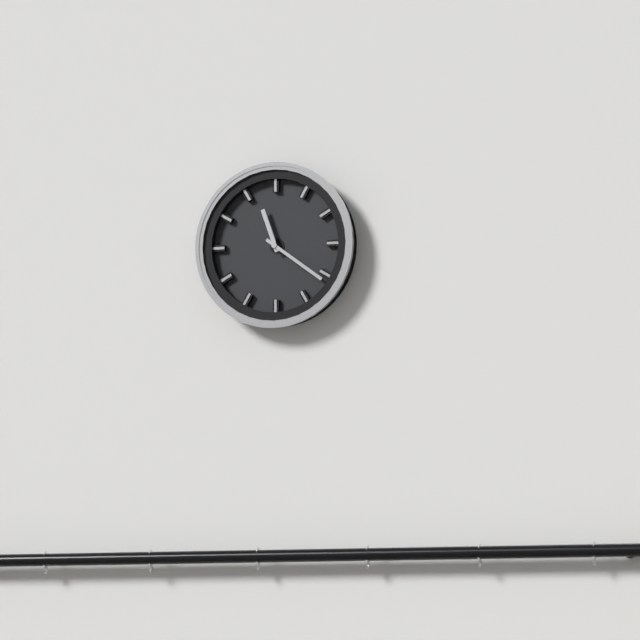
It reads 11:21
